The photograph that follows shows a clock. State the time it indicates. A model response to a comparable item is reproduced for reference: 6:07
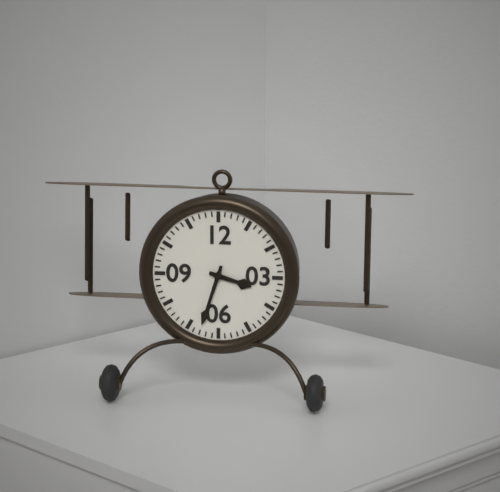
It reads 3:33
